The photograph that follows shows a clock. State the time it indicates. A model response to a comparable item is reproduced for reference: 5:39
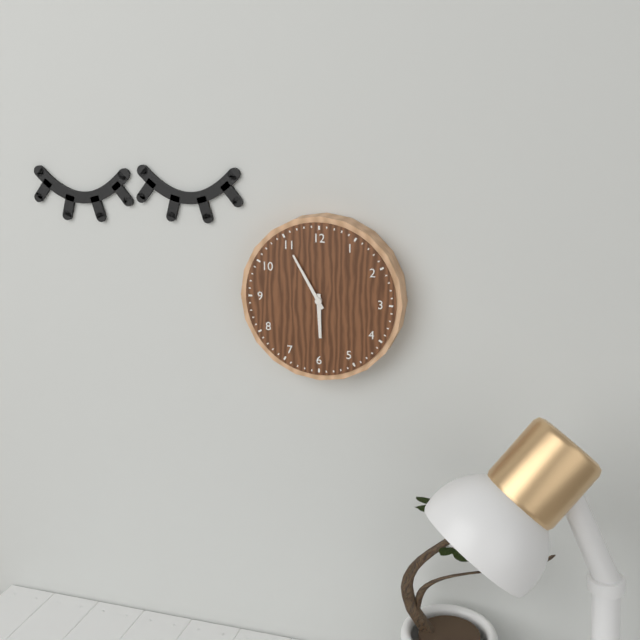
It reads 5:55
